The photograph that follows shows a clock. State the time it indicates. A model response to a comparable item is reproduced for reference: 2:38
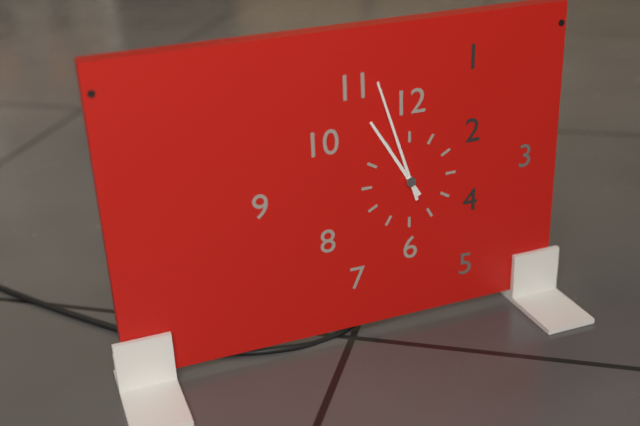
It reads 10:57
